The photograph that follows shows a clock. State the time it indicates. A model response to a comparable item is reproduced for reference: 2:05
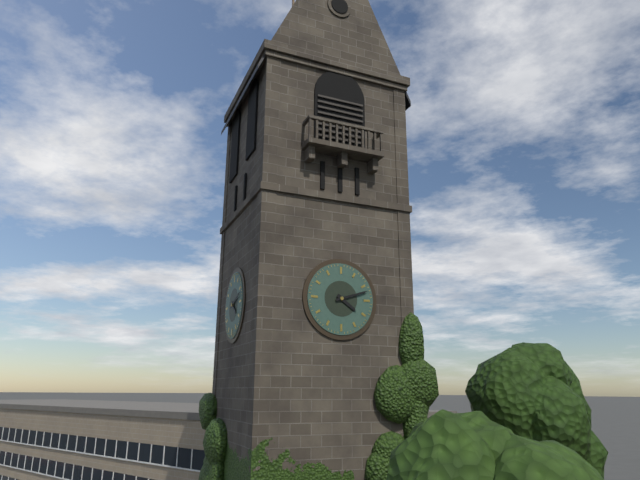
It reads 4:12
